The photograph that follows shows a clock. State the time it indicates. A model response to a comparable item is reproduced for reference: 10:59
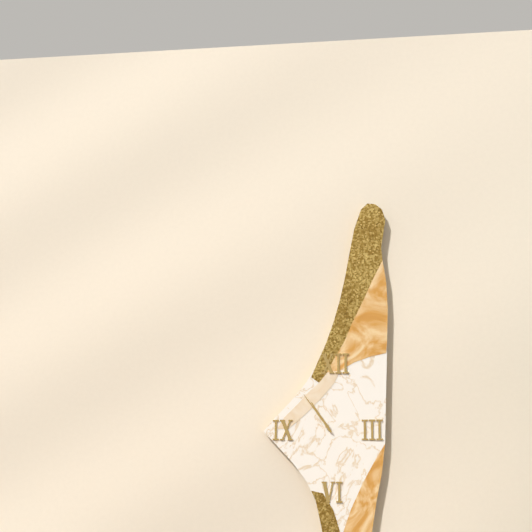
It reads 10:54
